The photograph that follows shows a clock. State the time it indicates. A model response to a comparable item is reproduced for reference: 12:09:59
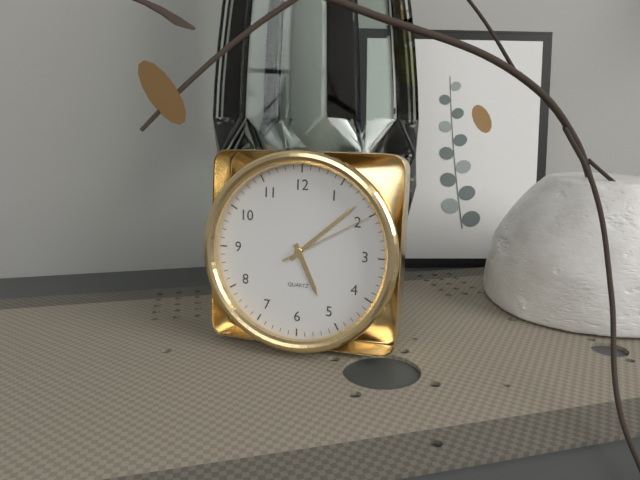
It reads 5:08:10
